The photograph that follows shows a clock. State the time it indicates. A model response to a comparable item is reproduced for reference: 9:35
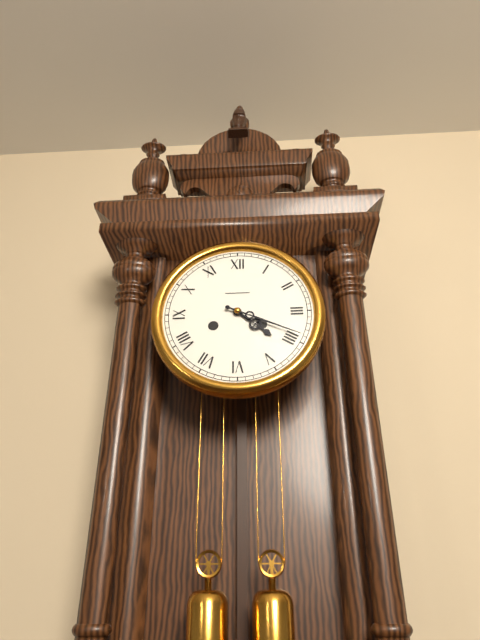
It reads 4:19
